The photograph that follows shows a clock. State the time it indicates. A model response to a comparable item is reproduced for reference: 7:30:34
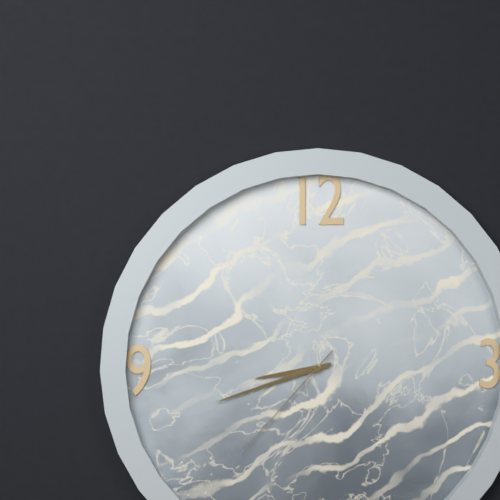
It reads 8:42:37
